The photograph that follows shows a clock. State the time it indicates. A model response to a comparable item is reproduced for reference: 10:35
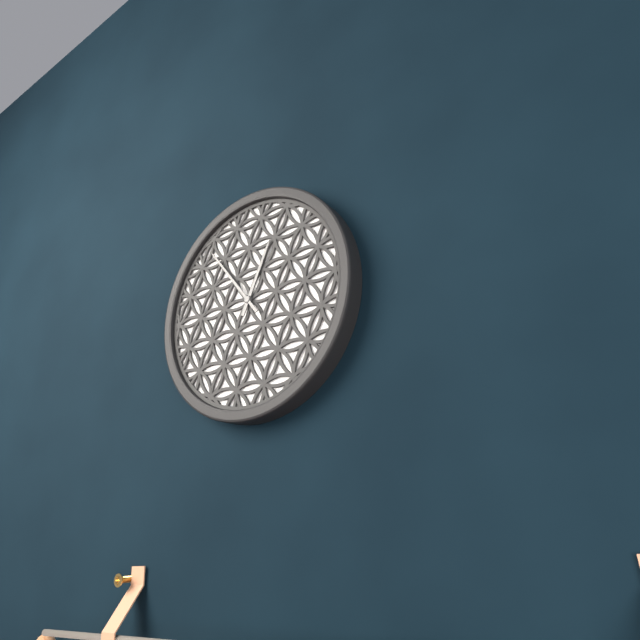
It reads 12:54
